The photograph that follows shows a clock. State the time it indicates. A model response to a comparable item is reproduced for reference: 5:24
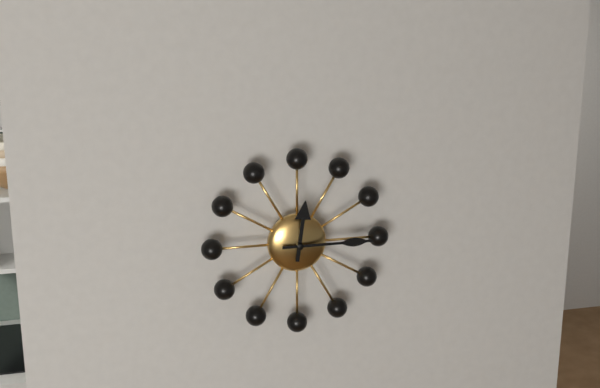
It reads 12:15
